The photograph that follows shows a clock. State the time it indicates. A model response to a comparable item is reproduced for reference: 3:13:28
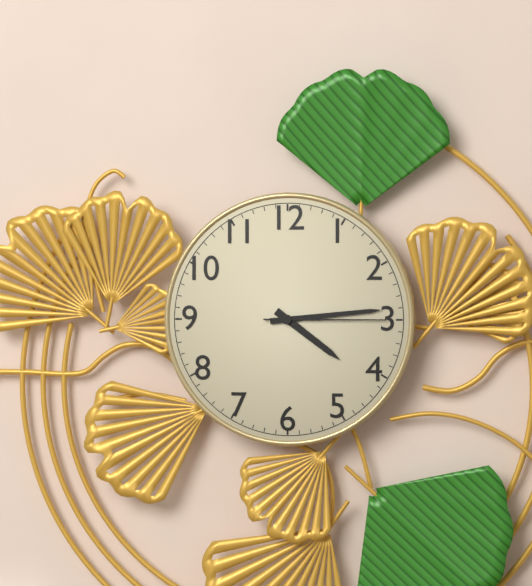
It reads 4:14:15
